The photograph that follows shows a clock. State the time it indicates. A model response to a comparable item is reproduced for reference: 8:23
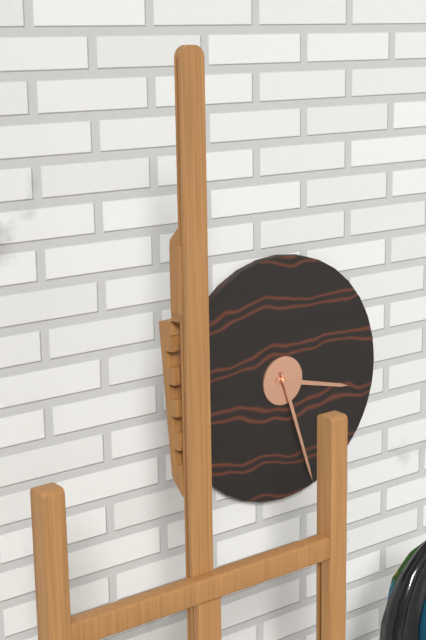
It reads 3:27
